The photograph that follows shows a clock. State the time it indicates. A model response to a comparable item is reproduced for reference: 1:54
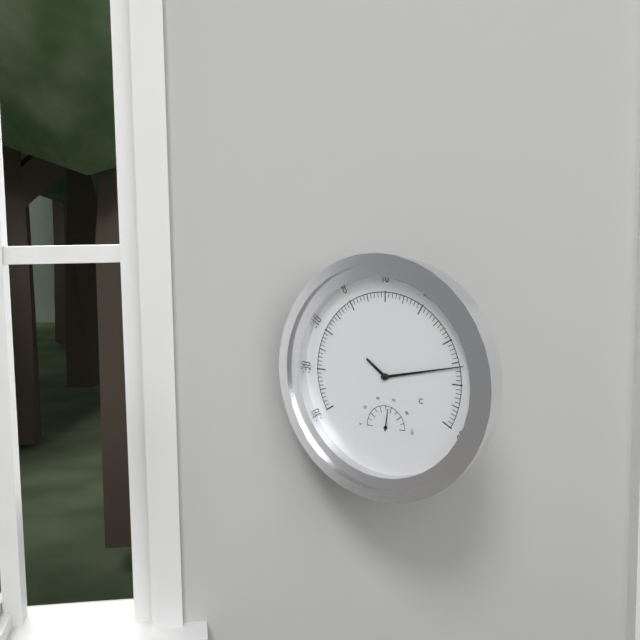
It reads 10:13
